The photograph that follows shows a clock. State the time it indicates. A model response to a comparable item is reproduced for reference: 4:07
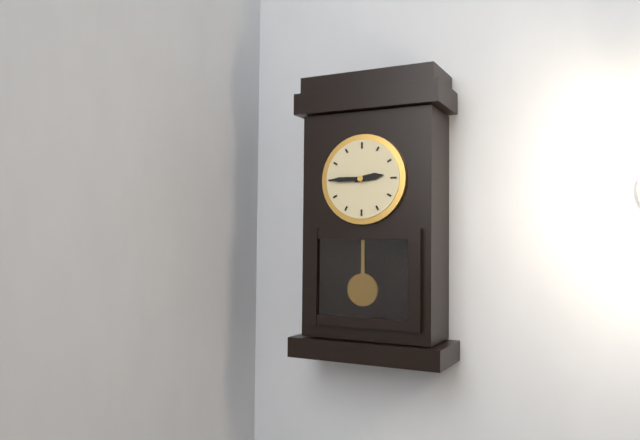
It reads 2:45
